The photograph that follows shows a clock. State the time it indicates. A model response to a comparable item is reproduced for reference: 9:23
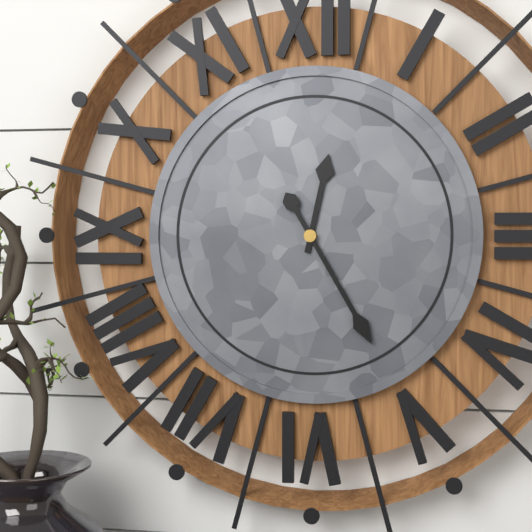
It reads 12:25
